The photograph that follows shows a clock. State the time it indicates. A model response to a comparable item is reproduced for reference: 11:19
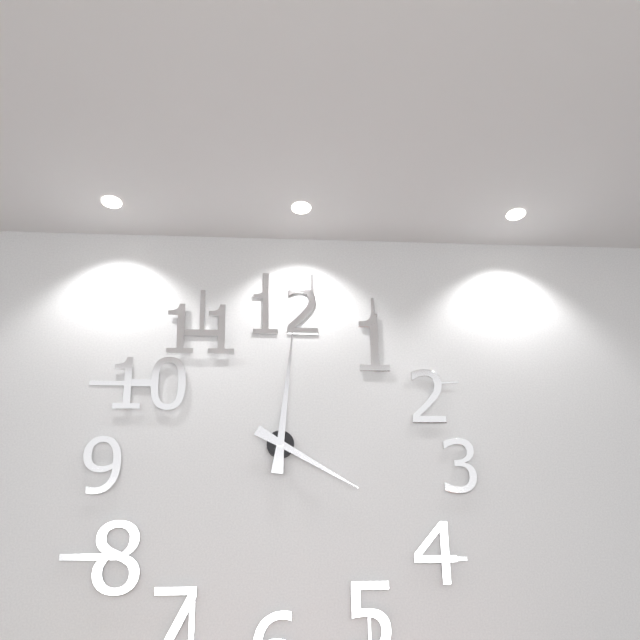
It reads 4:01
